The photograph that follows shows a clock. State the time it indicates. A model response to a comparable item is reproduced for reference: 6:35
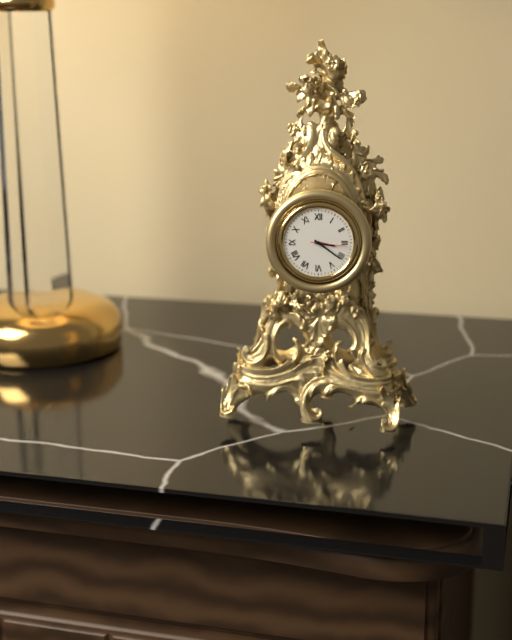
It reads 3:21
